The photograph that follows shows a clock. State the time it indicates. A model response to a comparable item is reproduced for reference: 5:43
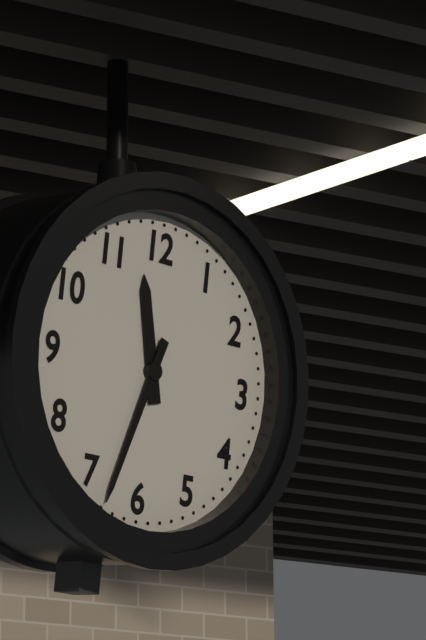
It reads 11:33
